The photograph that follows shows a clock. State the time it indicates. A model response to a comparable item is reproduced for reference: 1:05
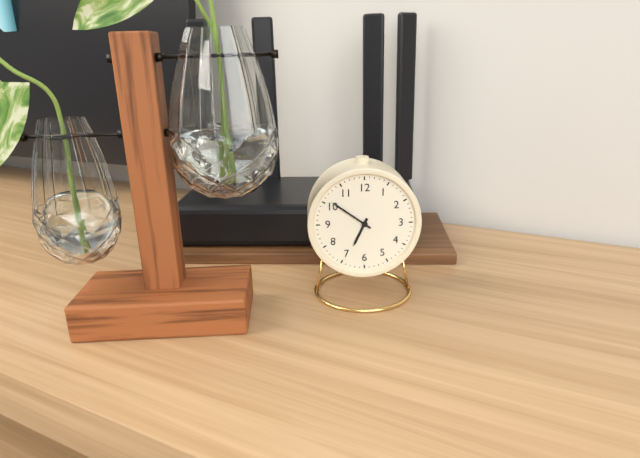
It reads 6:51
